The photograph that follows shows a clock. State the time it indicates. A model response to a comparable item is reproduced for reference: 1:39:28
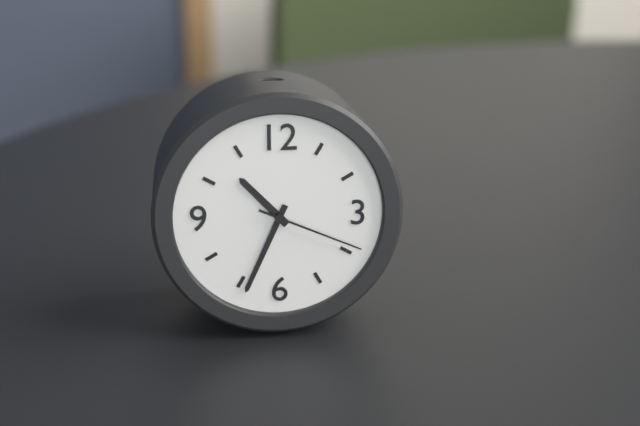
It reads 10:34:19
